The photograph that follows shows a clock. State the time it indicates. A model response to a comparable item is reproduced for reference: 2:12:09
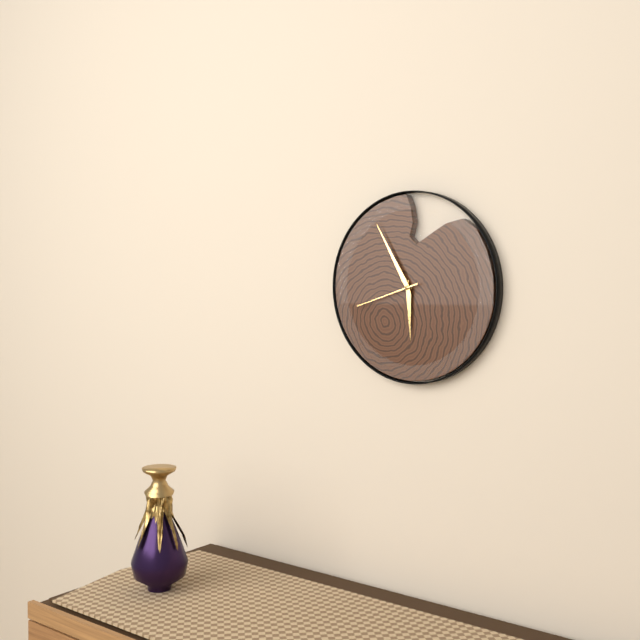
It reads 5:55:42
